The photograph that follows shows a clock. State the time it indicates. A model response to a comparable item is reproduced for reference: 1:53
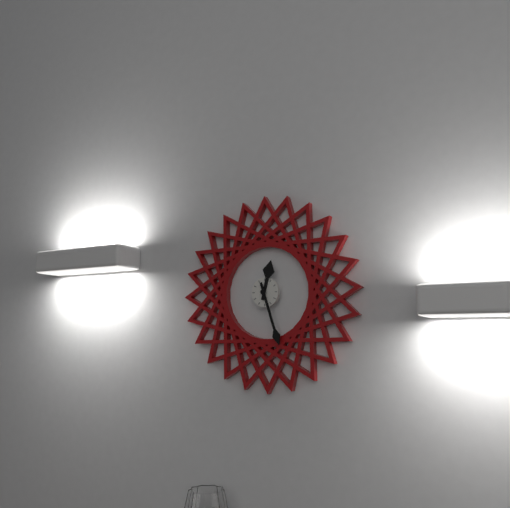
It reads 12:27
